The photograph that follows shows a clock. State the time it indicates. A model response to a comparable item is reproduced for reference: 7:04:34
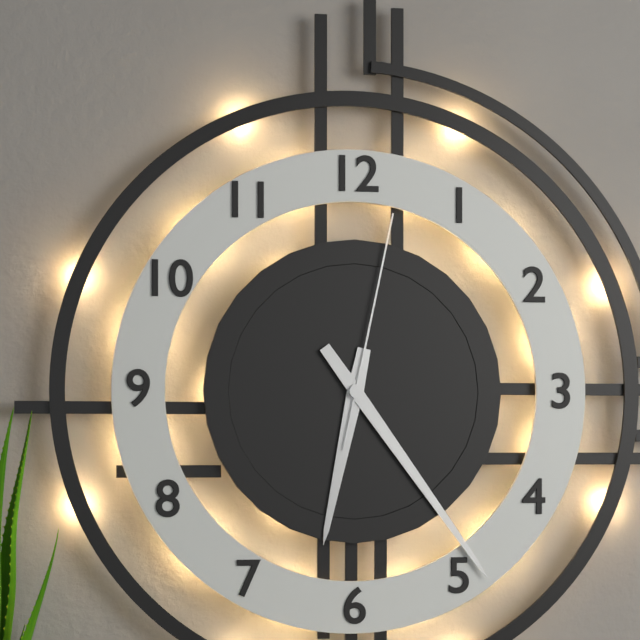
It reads 6:24:02
